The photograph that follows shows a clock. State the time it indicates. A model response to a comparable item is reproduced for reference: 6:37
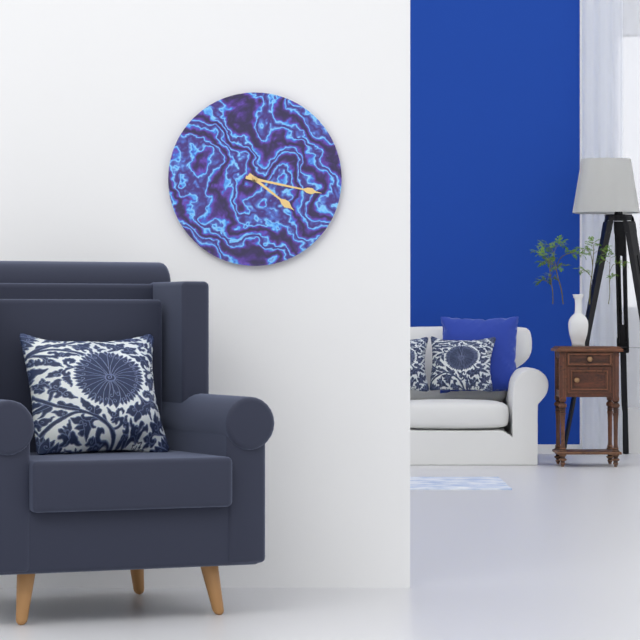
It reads 4:17
